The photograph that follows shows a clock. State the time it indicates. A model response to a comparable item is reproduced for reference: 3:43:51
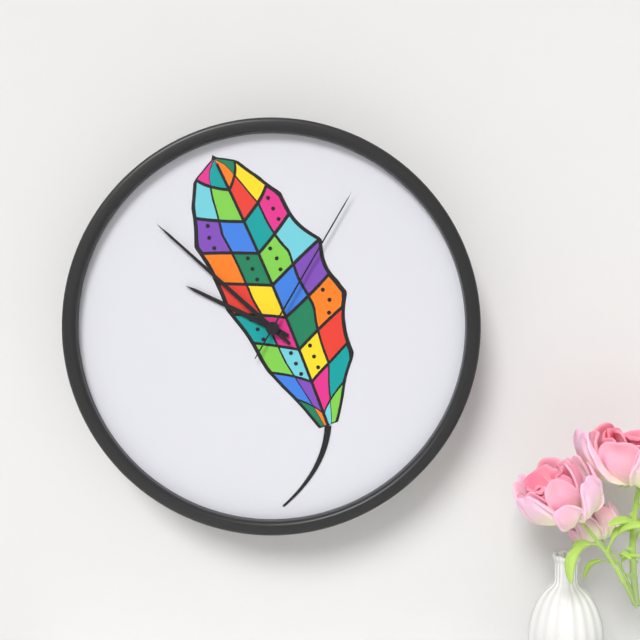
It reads 9:52:05
